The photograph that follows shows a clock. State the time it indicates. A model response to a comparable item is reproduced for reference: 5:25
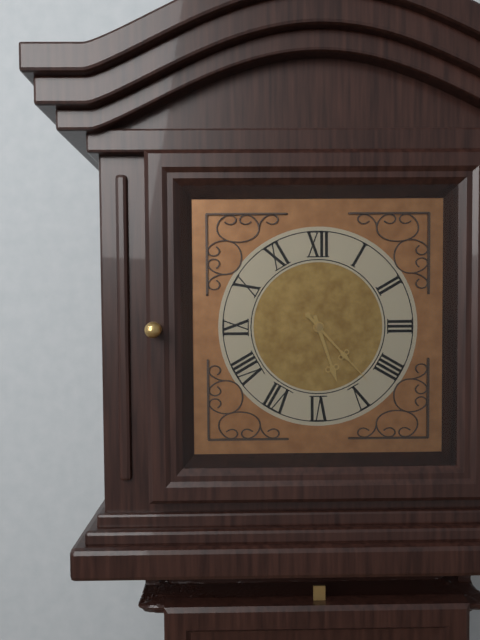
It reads 5:23
